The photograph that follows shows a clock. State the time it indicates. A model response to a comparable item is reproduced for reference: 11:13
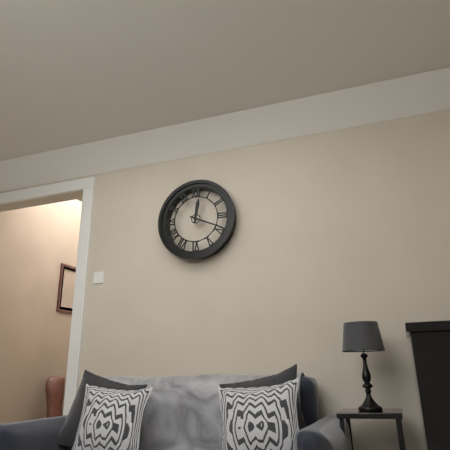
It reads 12:19
